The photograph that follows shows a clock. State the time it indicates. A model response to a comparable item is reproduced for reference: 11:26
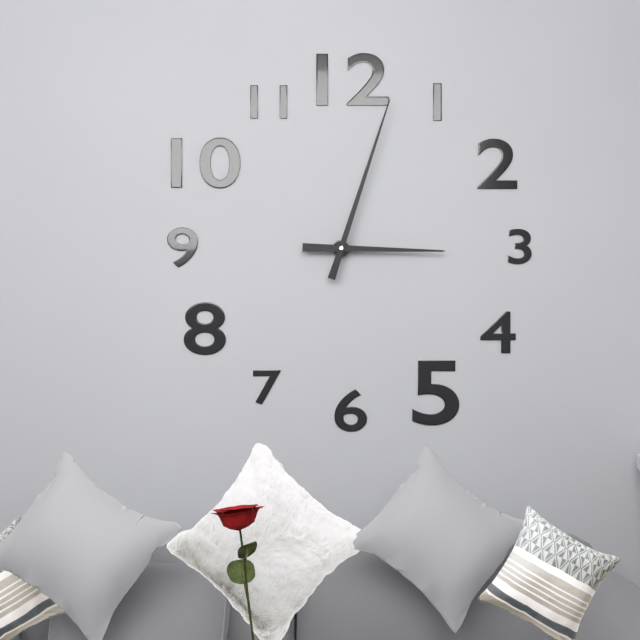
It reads 3:03
